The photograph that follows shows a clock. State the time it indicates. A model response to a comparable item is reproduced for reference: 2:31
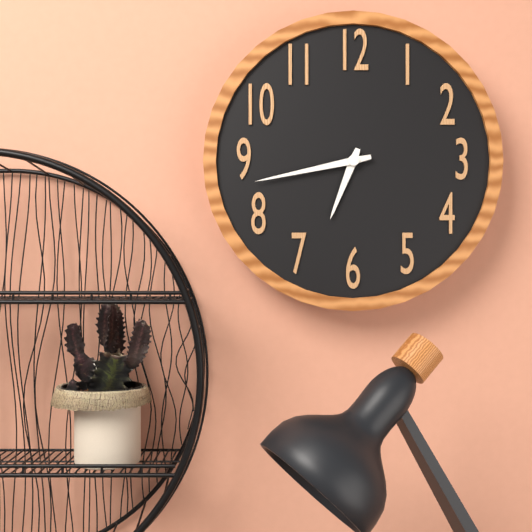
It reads 6:43
